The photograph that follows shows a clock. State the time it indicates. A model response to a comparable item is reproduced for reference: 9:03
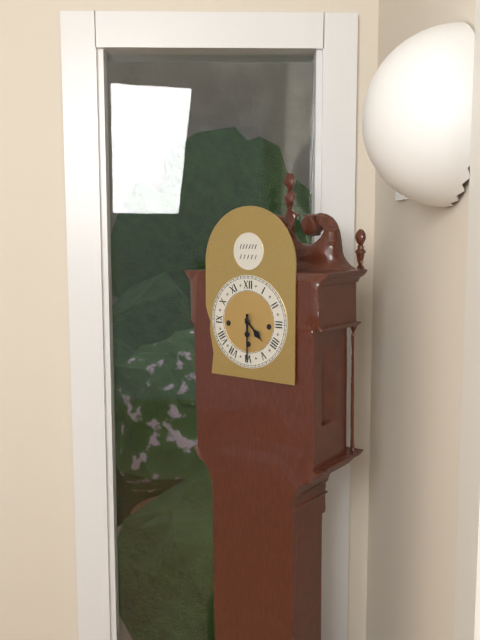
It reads 4:30
